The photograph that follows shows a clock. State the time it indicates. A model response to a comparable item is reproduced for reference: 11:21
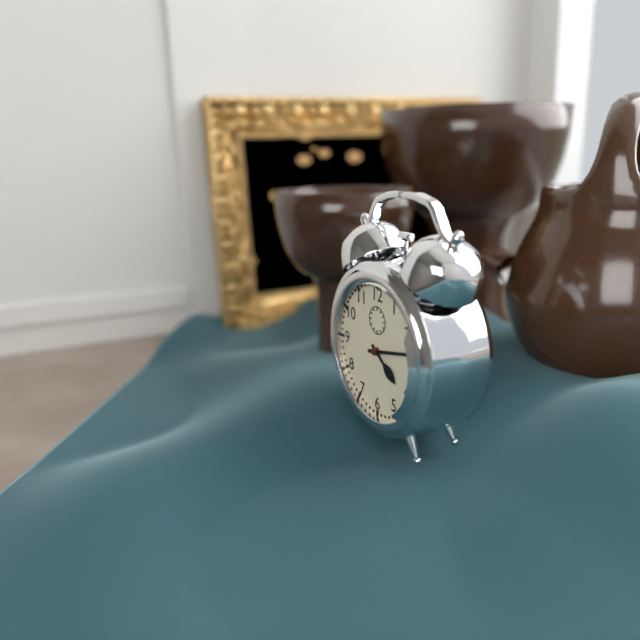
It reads 4:13
